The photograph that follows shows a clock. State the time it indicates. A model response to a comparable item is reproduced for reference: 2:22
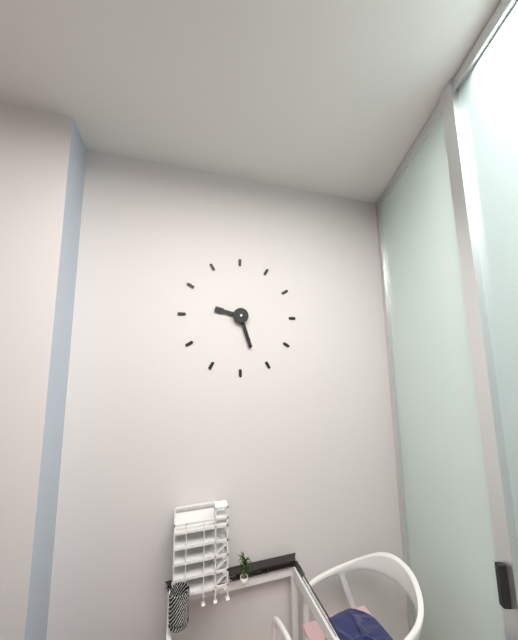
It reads 9:27
